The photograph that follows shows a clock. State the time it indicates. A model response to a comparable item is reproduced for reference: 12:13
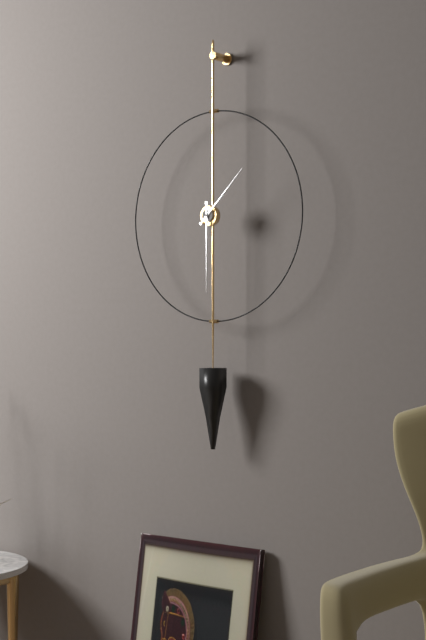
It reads 1:30
